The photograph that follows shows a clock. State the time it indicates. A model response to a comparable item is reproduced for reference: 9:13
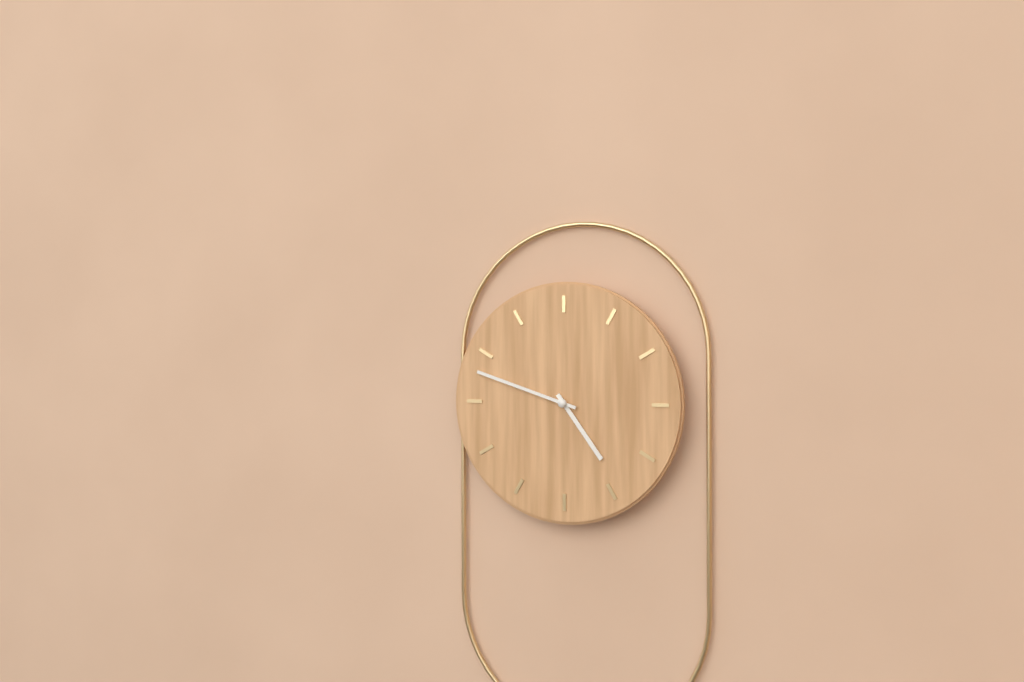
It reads 4:48
